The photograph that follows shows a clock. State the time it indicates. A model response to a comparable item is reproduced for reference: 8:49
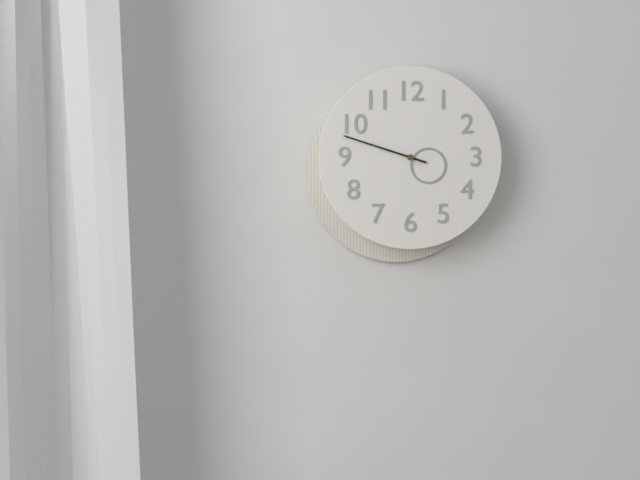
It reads 3:48
